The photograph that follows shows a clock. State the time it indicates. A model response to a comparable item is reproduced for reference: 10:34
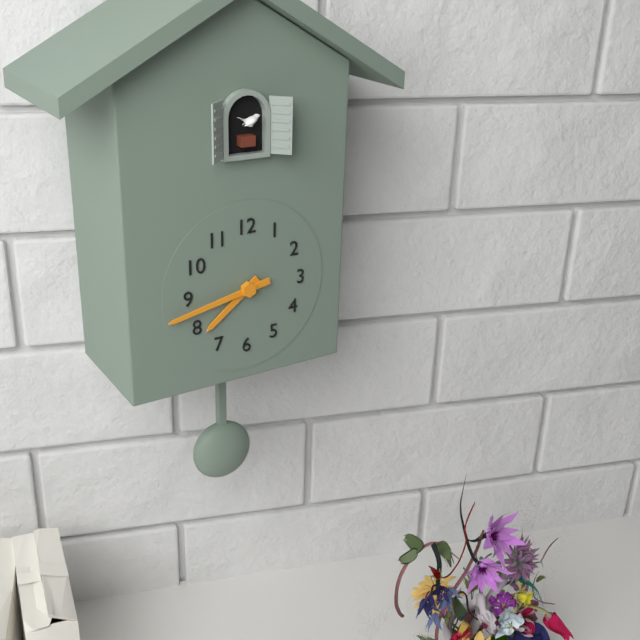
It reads 7:43
